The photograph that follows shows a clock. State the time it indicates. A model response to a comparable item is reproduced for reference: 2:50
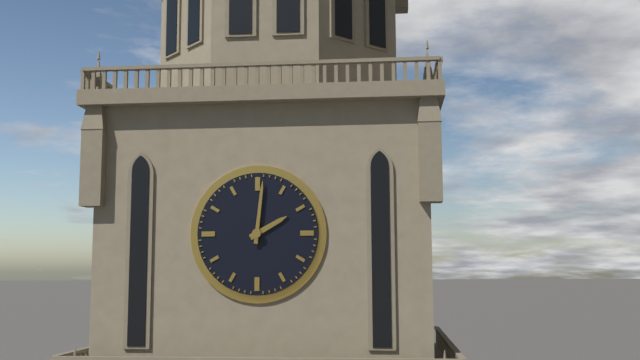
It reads 2:01
